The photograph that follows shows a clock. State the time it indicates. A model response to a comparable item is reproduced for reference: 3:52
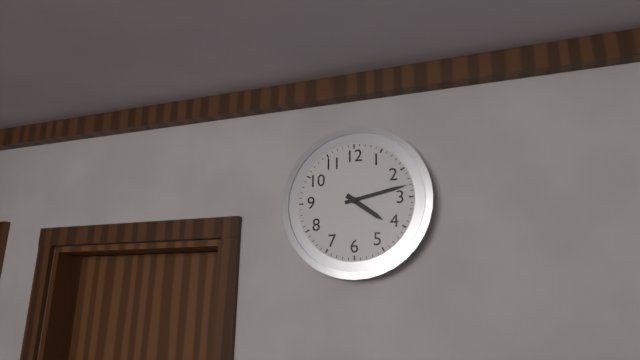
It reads 4:13
